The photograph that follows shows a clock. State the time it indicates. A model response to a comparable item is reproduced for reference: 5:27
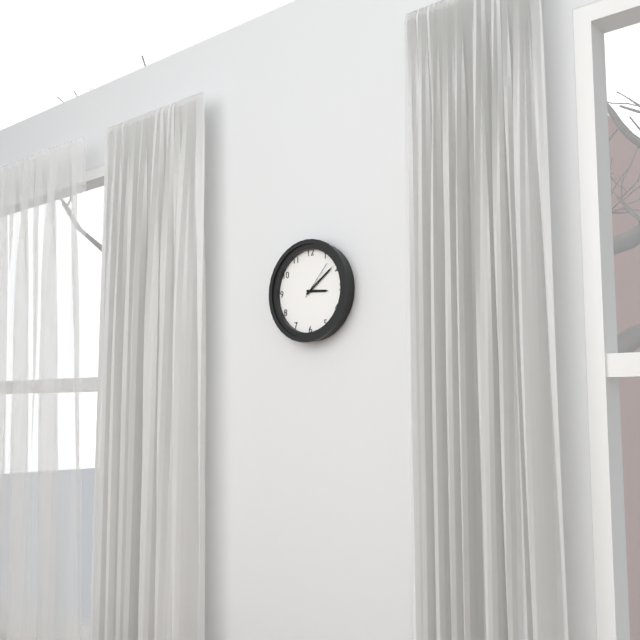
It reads 3:09
